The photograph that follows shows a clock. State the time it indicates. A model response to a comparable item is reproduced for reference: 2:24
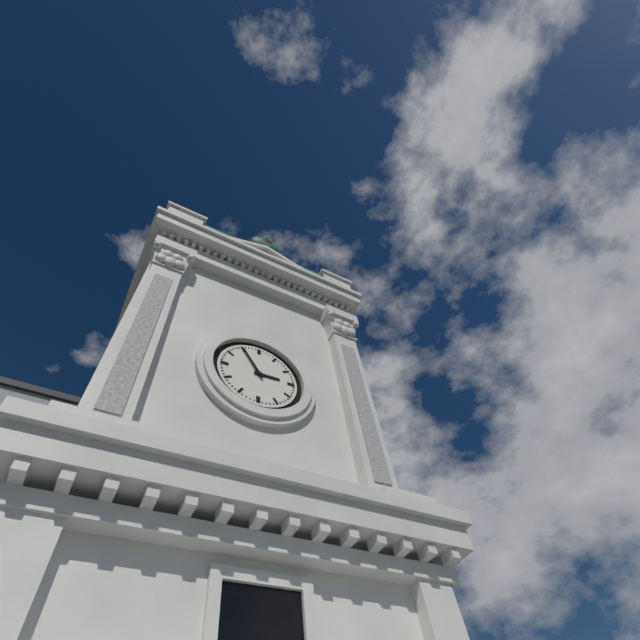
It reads 2:55
